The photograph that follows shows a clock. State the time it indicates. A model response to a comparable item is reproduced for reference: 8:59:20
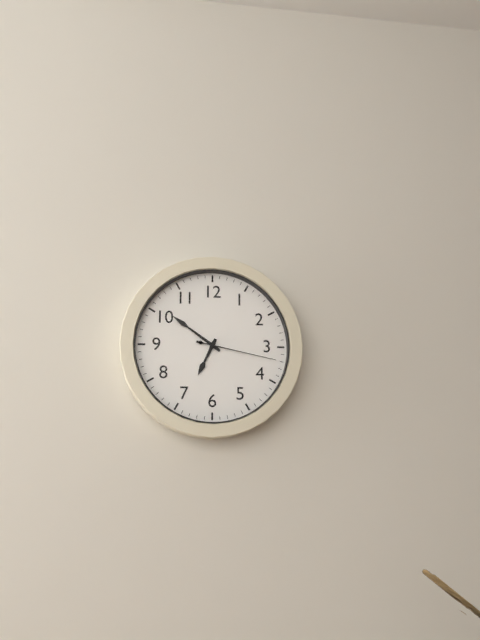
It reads 6:51:17
